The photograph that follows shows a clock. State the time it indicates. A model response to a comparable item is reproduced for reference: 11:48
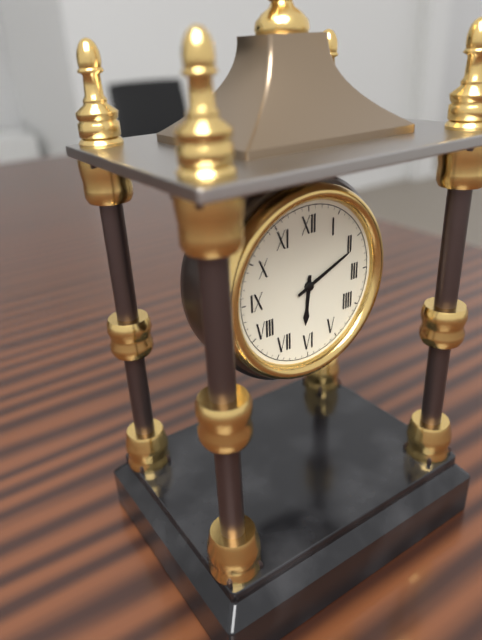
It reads 6:11
